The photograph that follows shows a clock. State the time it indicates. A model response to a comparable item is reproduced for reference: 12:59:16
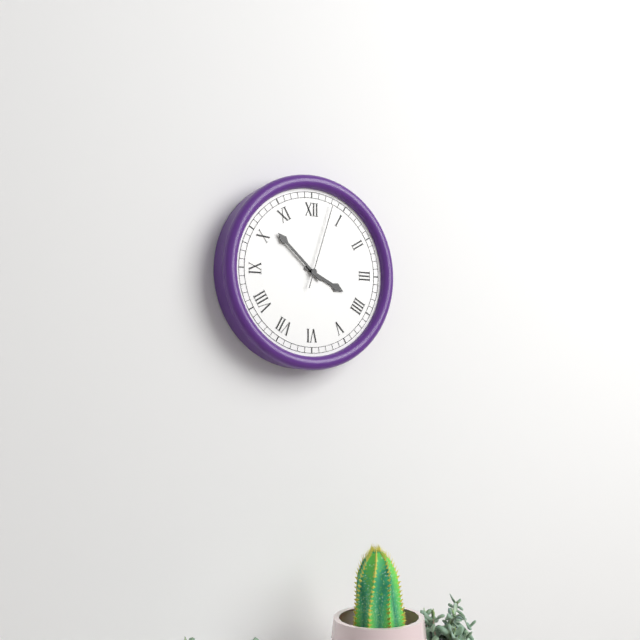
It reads 3:52:03
